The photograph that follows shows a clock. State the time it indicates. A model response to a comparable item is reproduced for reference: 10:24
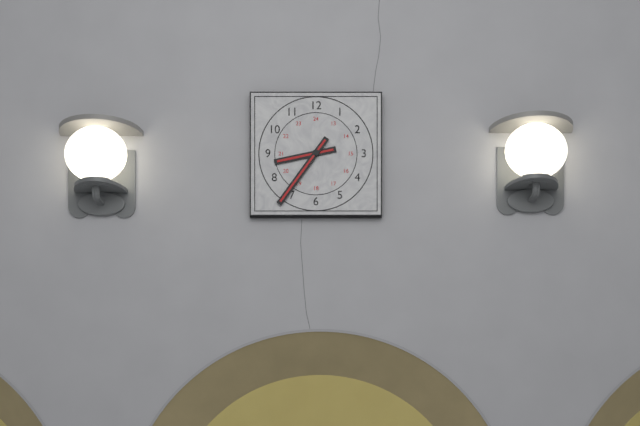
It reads 8:36
